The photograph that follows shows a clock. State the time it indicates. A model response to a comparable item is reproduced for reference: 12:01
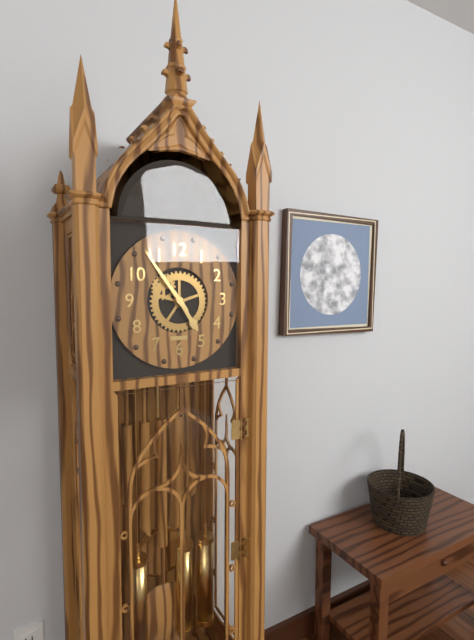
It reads 4:54
